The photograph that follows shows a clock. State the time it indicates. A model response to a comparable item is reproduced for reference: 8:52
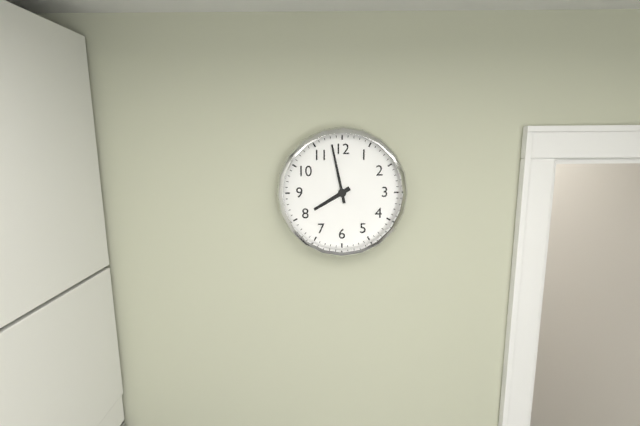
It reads 7:58
